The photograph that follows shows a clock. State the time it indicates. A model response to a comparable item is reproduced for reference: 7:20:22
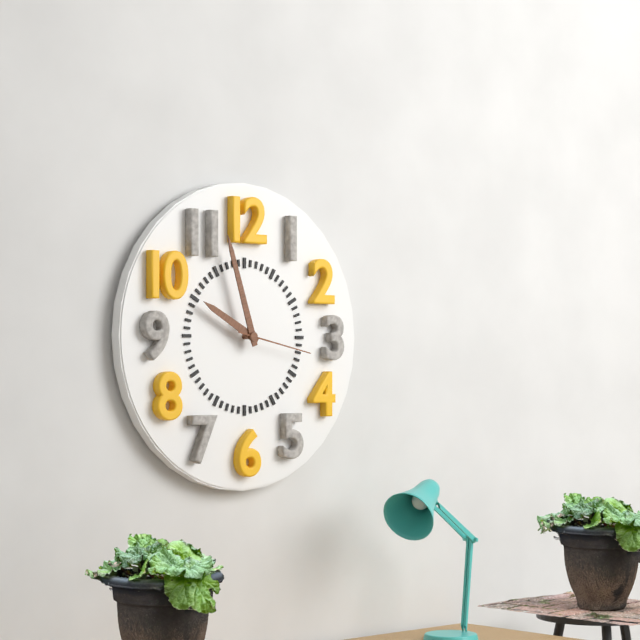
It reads 9:57:17
